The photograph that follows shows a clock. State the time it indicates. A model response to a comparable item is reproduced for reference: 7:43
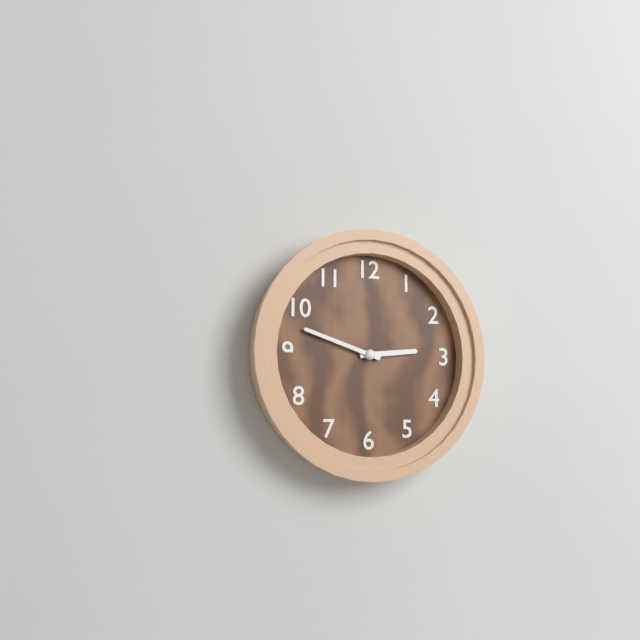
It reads 2:48
